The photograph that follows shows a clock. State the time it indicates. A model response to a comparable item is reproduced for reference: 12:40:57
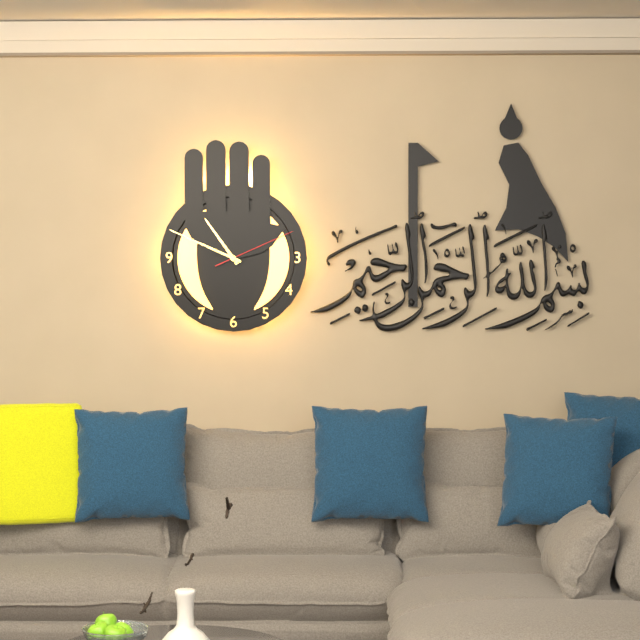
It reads 10:49:11
